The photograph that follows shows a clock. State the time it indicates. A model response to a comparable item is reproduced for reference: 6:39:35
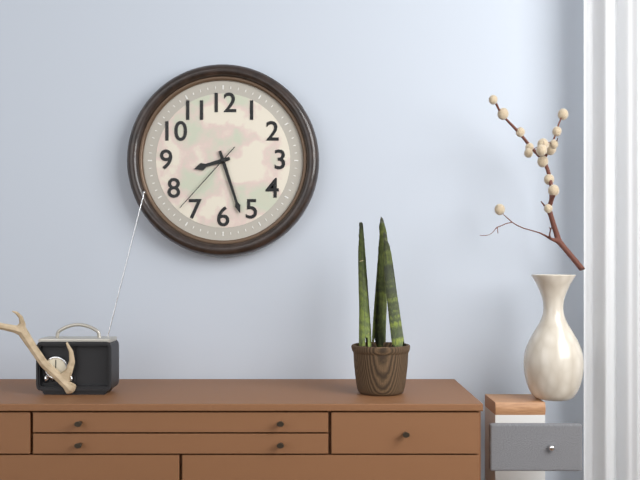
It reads 8:27:37
